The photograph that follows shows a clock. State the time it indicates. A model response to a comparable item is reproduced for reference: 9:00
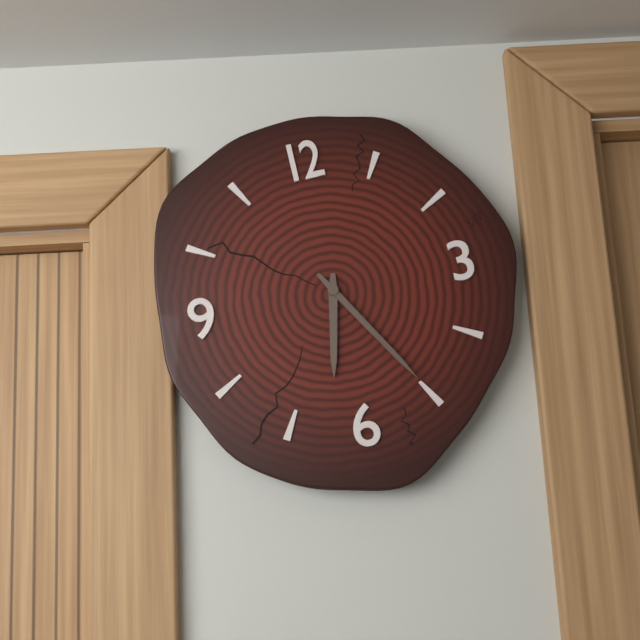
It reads 6:25
